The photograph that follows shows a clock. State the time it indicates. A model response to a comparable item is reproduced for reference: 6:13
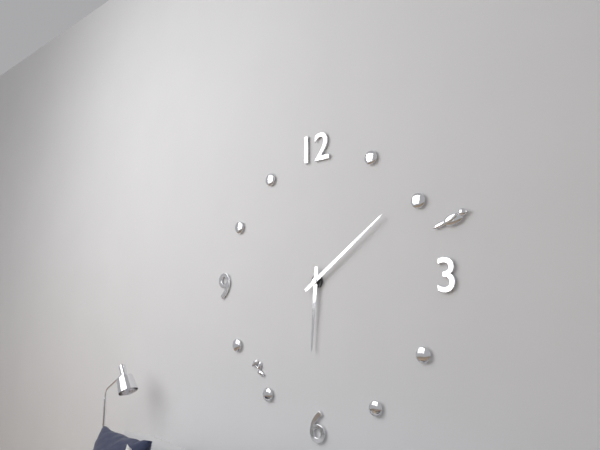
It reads 6:09
